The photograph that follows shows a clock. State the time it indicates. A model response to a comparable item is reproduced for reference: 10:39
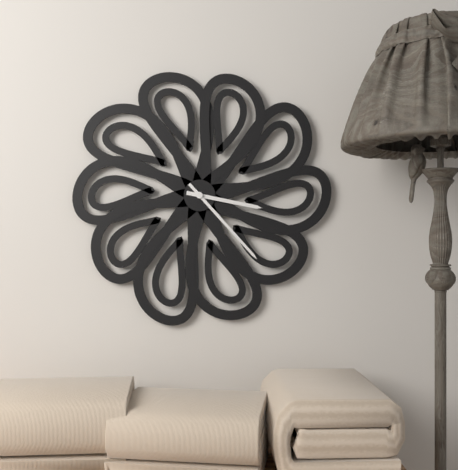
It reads 3:23
